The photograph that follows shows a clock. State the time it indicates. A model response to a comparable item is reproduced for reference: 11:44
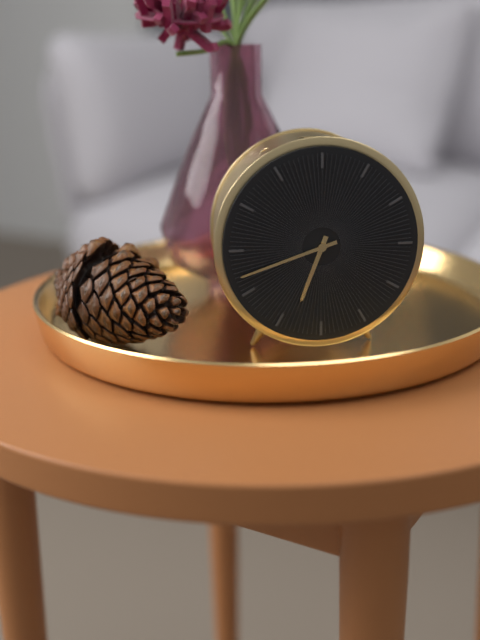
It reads 6:42
